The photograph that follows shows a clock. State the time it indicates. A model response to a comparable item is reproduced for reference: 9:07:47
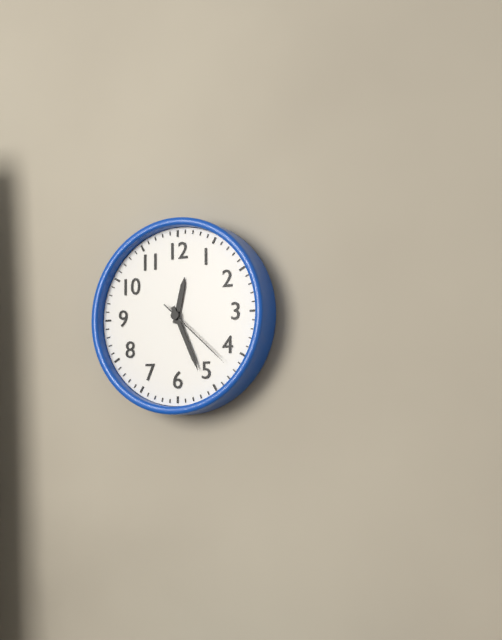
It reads 12:26:22
